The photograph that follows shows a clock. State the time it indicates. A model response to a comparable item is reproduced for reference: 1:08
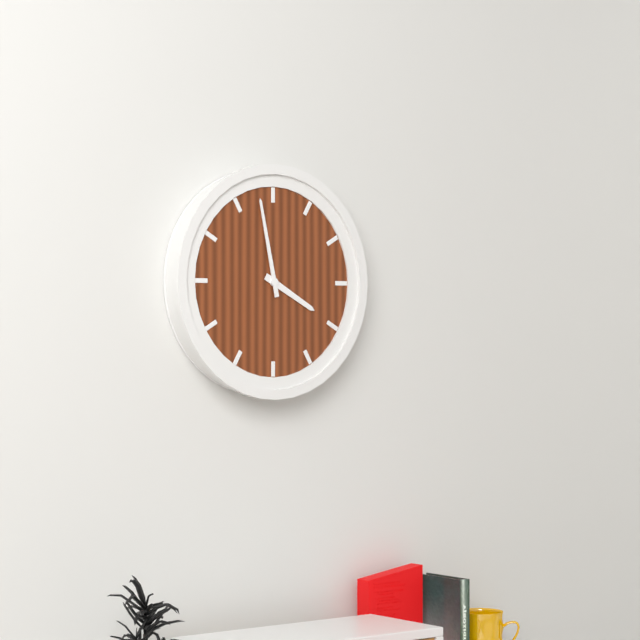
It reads 3:58
